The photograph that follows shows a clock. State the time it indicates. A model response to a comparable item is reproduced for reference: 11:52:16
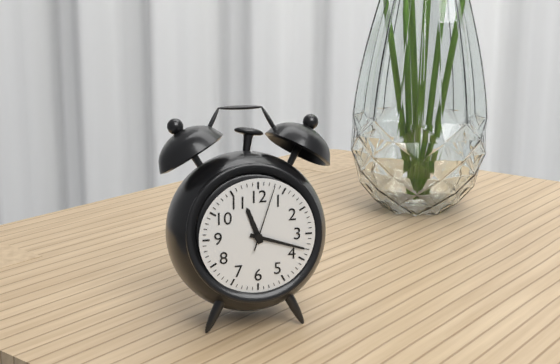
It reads 11:18:03
